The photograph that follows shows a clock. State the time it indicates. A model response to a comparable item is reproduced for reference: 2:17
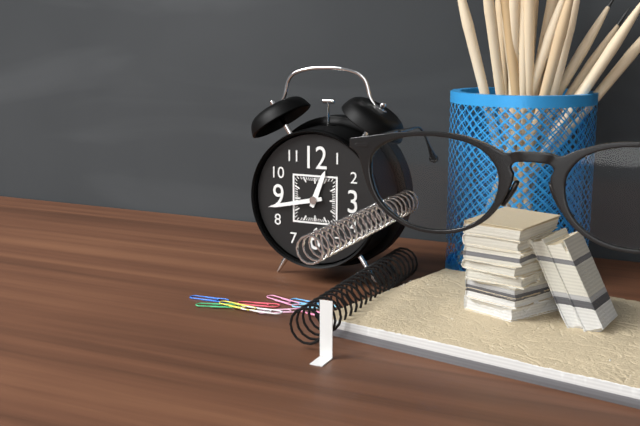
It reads 12:43
